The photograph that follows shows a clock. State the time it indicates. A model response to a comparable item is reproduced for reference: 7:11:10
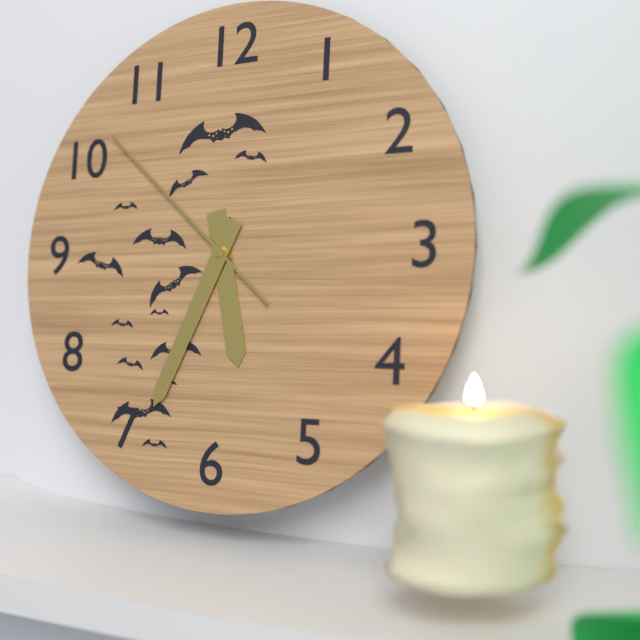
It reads 5:34:52
